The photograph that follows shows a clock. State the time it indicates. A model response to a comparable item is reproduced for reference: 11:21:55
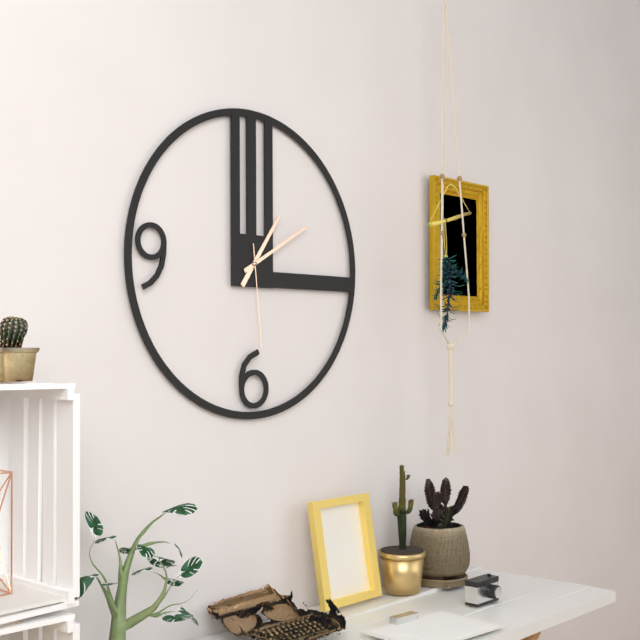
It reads 1:10:29
